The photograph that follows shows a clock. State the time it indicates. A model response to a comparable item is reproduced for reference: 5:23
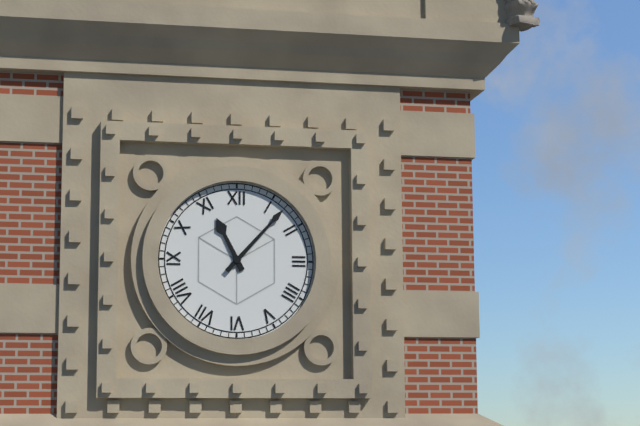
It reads 11:07
